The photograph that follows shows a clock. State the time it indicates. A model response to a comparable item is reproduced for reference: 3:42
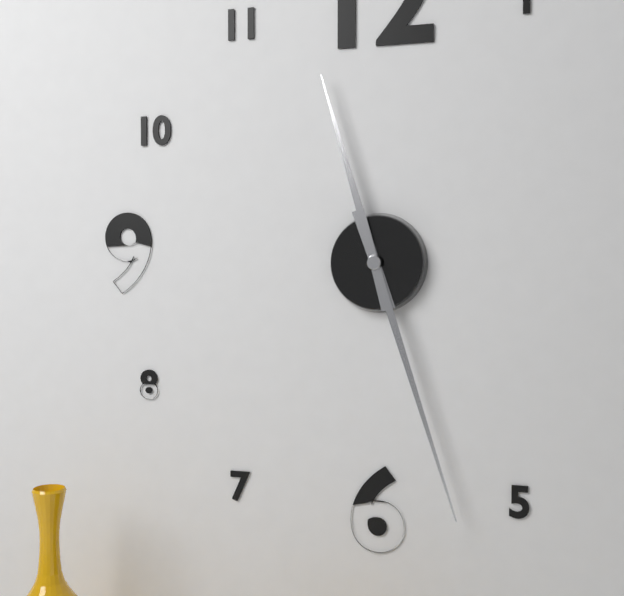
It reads 11:27
